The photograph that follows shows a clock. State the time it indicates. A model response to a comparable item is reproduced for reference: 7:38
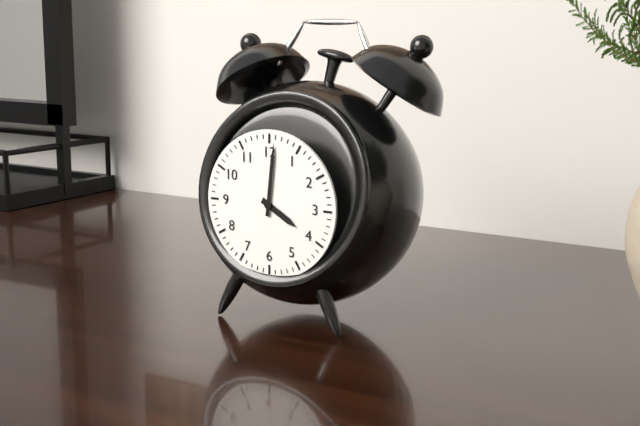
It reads 4:01
